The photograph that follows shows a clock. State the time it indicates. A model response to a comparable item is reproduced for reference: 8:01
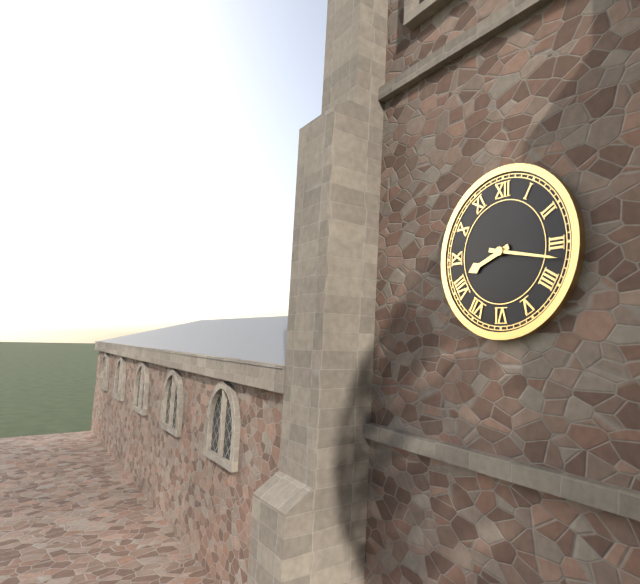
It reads 8:17
